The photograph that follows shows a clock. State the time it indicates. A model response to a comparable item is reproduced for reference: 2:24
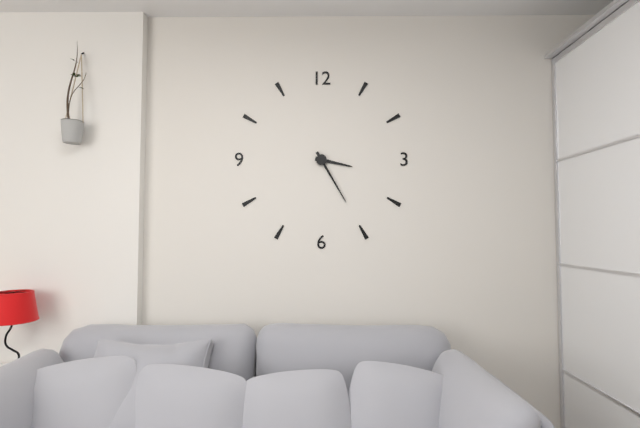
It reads 3:25
